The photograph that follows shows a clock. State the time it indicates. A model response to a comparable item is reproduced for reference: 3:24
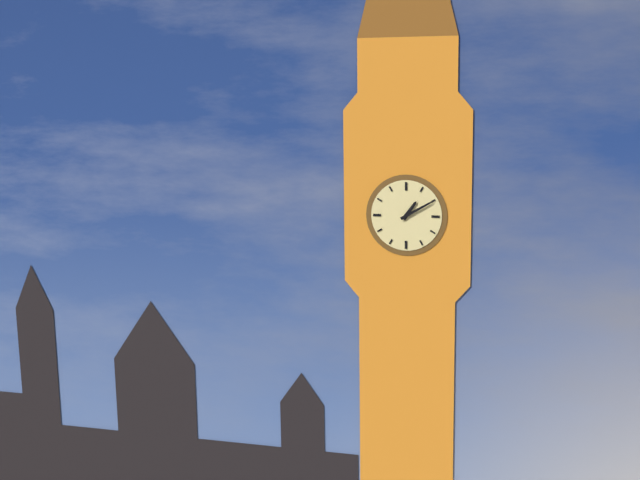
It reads 1:10
